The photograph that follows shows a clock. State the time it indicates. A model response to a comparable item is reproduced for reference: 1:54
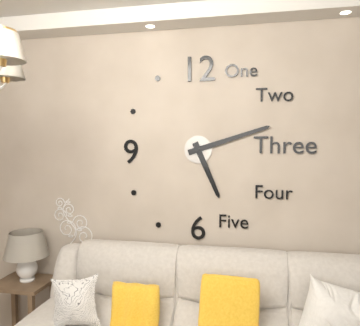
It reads 5:12
